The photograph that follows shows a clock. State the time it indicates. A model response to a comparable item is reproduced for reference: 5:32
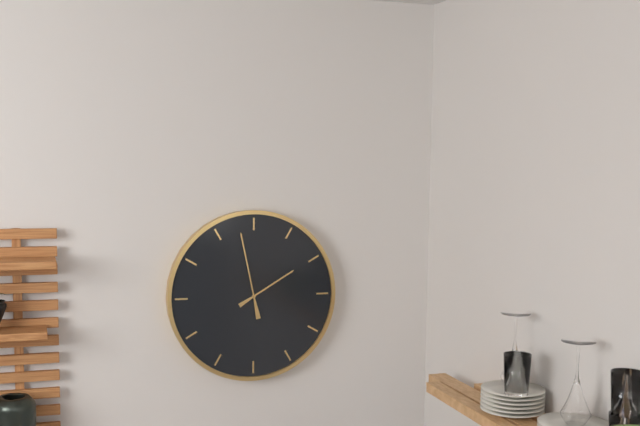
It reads 1:58
